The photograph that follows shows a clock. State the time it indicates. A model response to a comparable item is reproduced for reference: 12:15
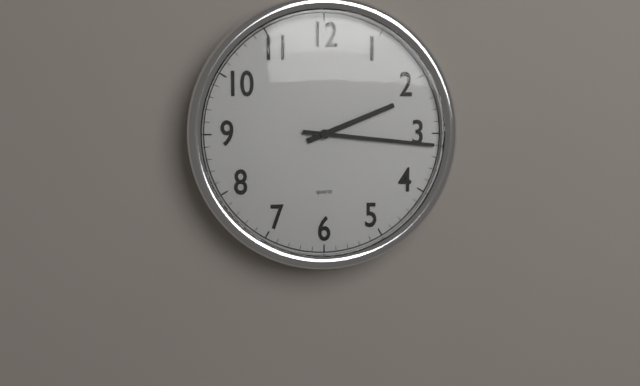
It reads 2:16
